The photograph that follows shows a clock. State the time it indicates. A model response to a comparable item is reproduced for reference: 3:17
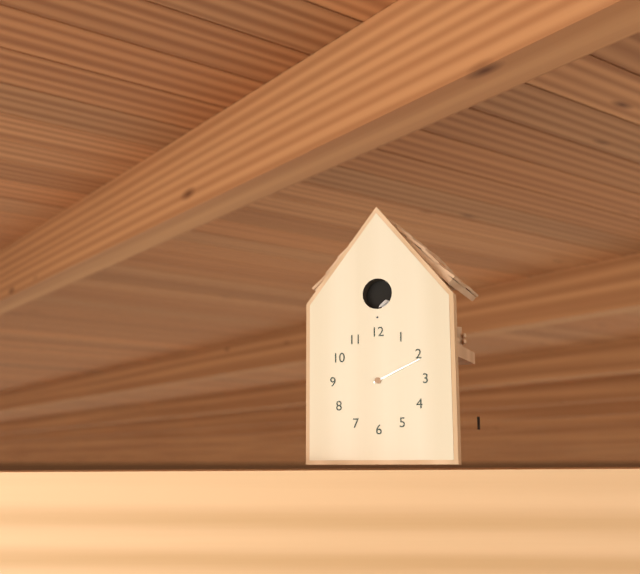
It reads 2:11
